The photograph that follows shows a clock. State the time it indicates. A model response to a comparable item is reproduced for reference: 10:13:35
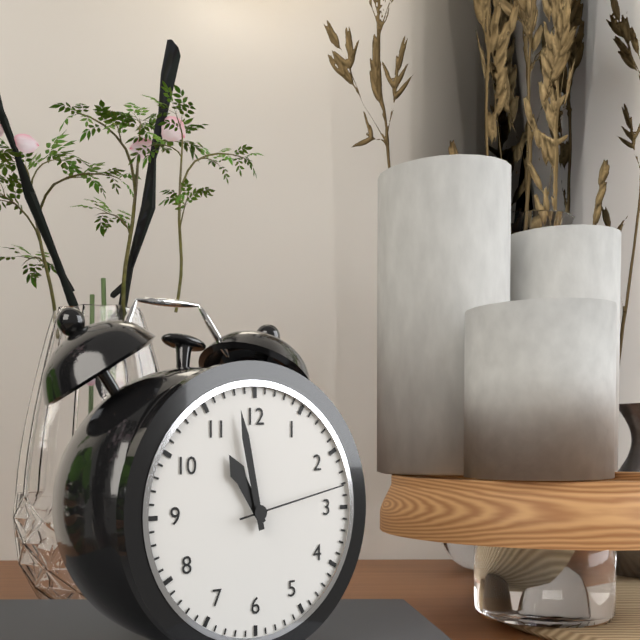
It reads 10:58:13
